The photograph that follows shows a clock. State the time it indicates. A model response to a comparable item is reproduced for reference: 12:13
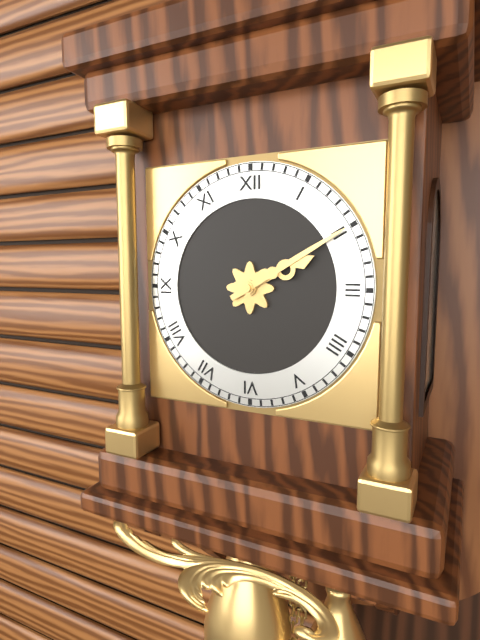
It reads 2:10
